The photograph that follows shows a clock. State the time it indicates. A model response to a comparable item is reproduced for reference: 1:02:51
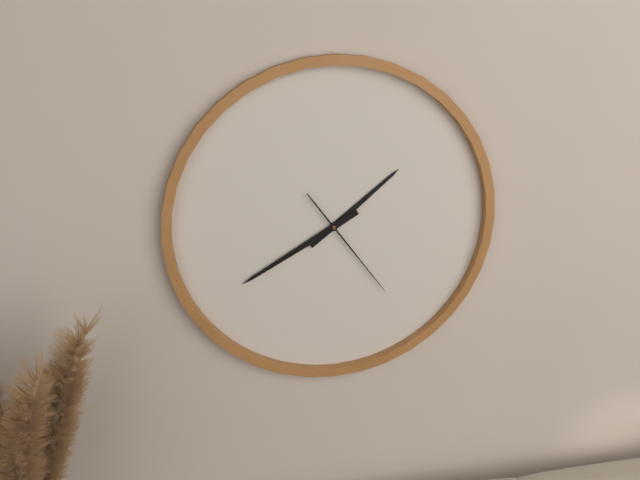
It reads 1:40:24
